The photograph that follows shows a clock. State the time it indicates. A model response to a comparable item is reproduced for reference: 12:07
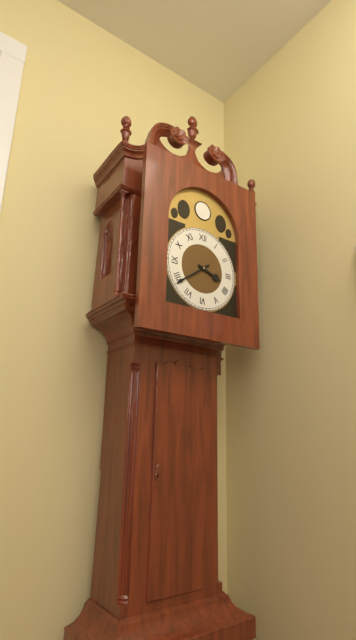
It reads 3:39
